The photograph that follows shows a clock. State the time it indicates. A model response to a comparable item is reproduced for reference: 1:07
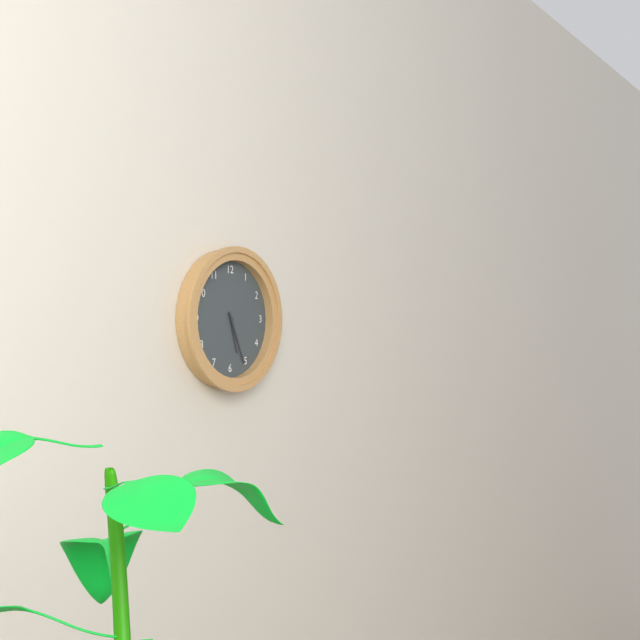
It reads 5:26
